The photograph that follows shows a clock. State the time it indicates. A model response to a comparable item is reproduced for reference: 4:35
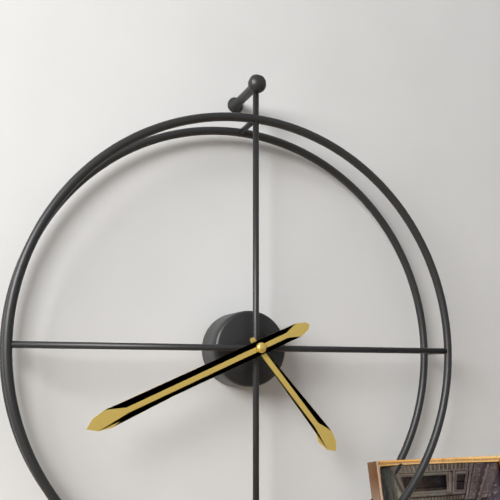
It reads 4:41
